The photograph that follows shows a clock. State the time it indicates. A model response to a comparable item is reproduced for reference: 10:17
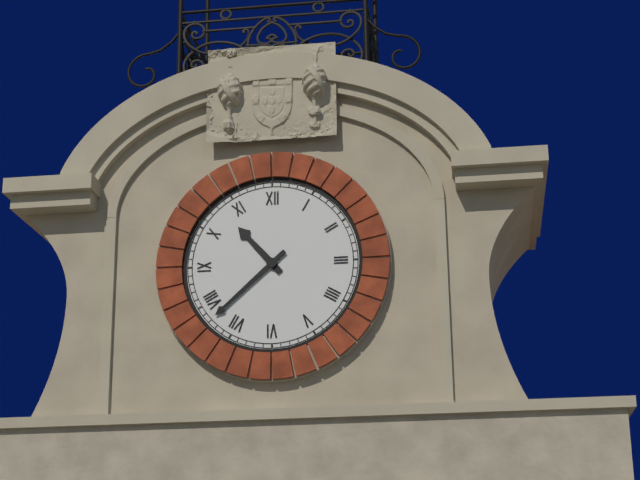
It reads 10:38
